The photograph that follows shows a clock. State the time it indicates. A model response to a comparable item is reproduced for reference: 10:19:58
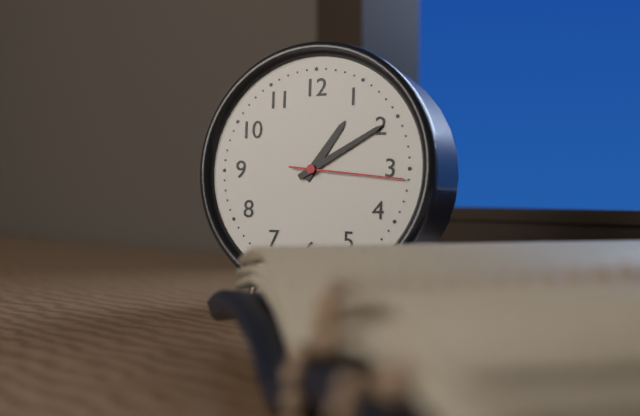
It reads 1:10:16
